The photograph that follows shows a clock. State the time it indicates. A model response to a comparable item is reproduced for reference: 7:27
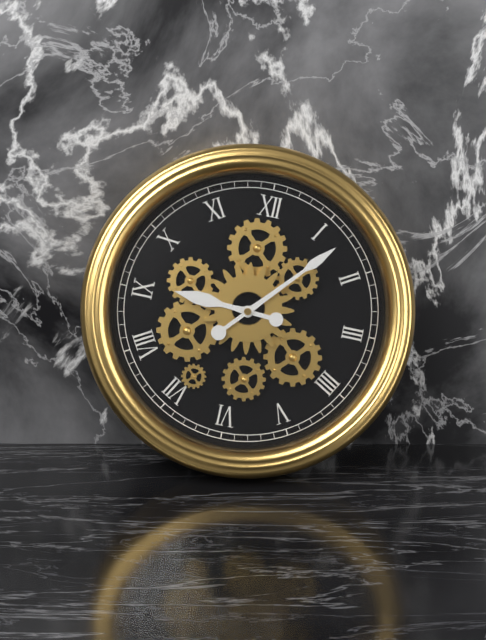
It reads 9:07
